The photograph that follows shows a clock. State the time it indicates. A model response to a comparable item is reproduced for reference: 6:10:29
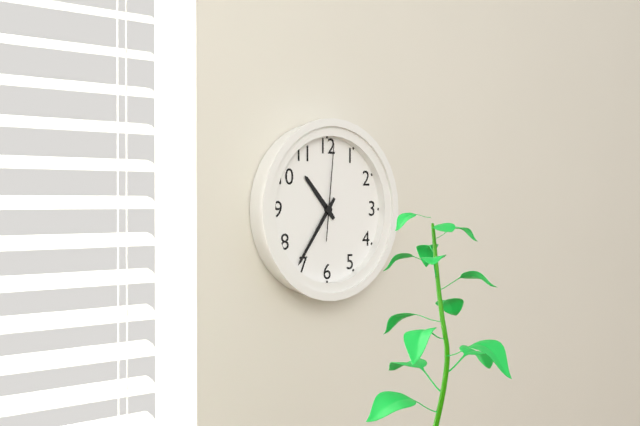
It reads 10:36:01
